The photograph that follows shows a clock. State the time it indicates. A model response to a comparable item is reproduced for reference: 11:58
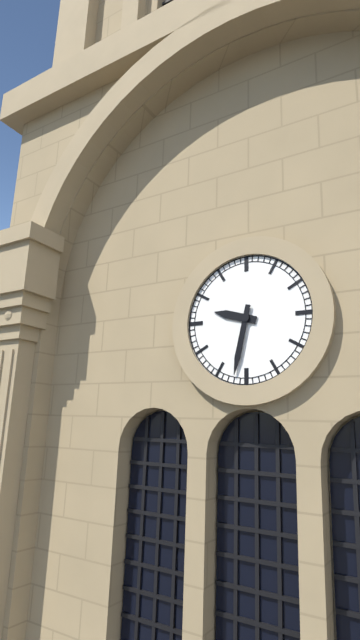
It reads 9:32
